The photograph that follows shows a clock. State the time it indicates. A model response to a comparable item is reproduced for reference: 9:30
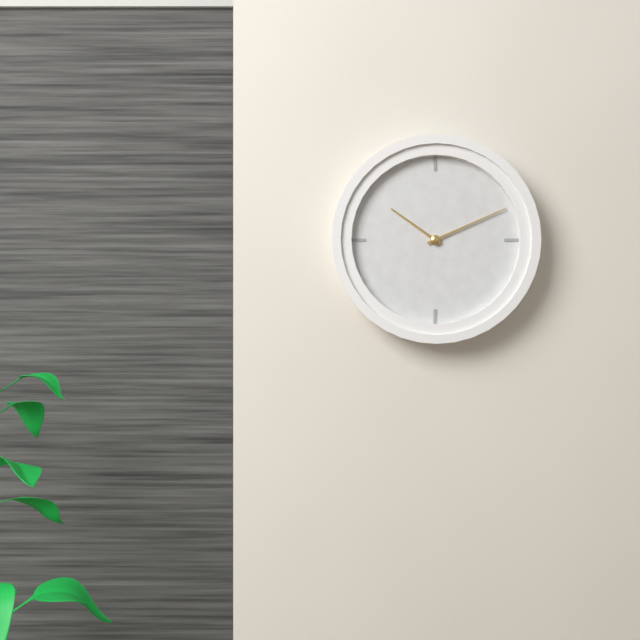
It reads 10:11
